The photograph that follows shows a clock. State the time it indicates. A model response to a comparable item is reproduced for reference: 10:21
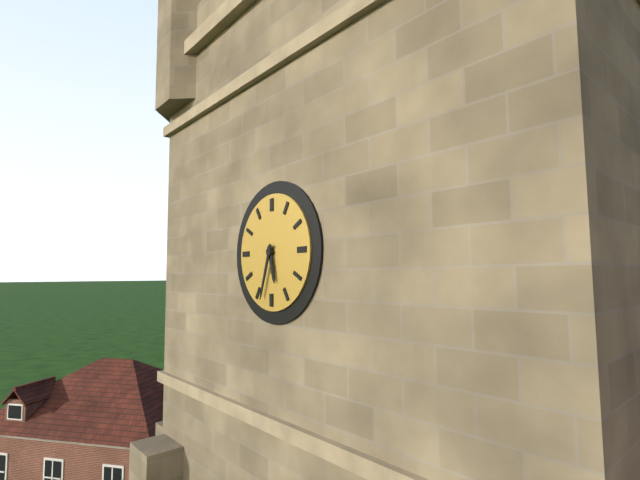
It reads 5:33
